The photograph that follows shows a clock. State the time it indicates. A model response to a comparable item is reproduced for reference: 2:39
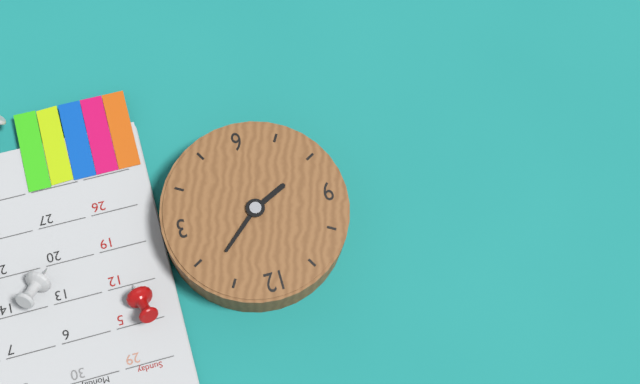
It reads 8:08
